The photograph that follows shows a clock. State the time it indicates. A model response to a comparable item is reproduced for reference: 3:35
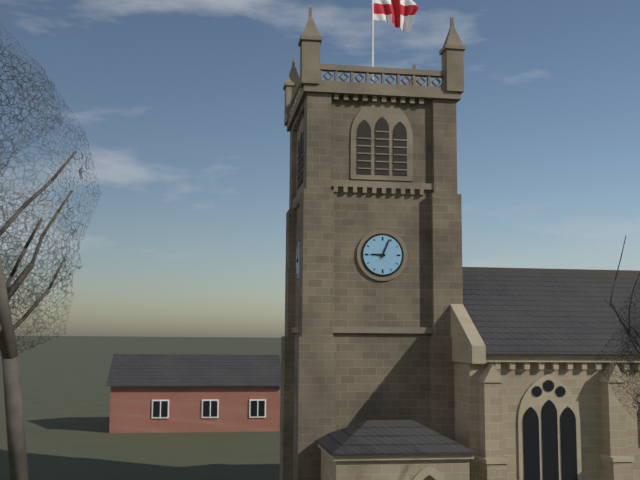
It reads 9:04
